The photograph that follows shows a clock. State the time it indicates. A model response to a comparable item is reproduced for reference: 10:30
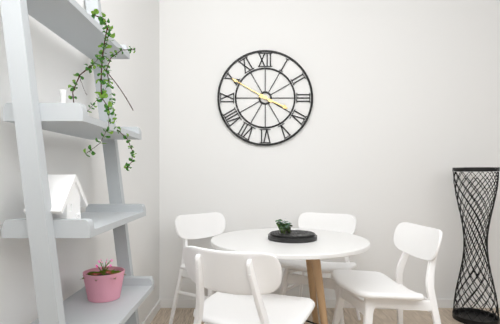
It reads 3:50
